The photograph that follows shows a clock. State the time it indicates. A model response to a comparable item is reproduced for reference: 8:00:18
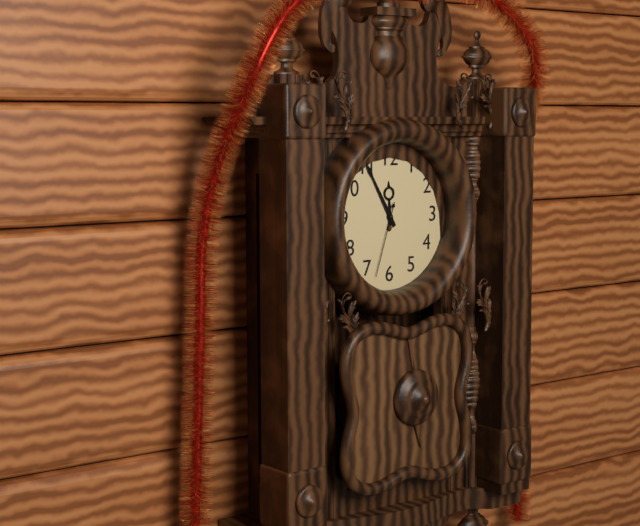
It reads 11:55:33
